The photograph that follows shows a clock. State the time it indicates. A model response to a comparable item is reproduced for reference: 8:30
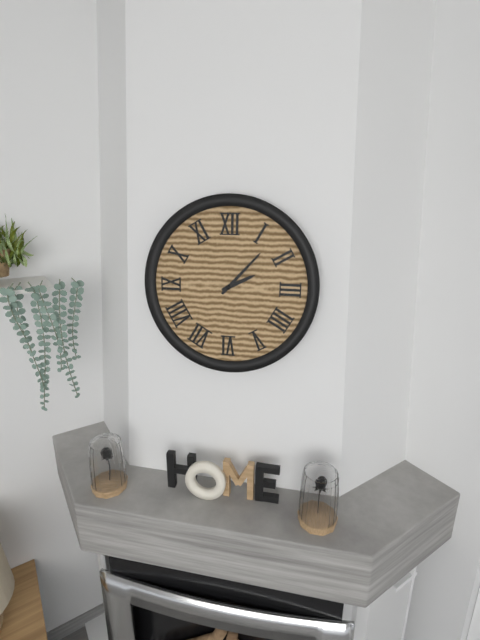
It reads 2:07
